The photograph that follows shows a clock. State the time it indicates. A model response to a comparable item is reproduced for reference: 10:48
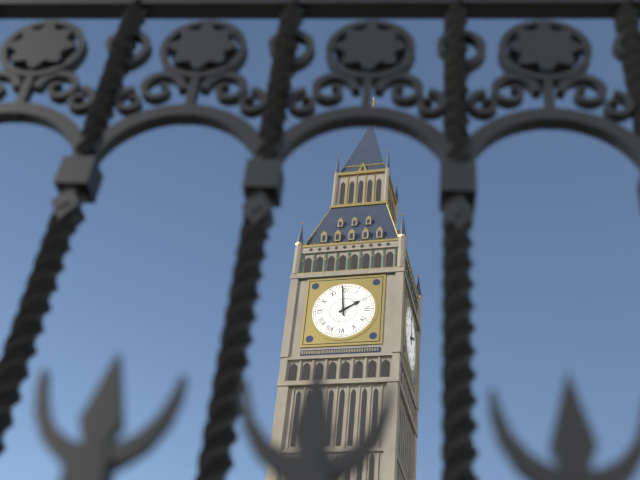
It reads 1:59
